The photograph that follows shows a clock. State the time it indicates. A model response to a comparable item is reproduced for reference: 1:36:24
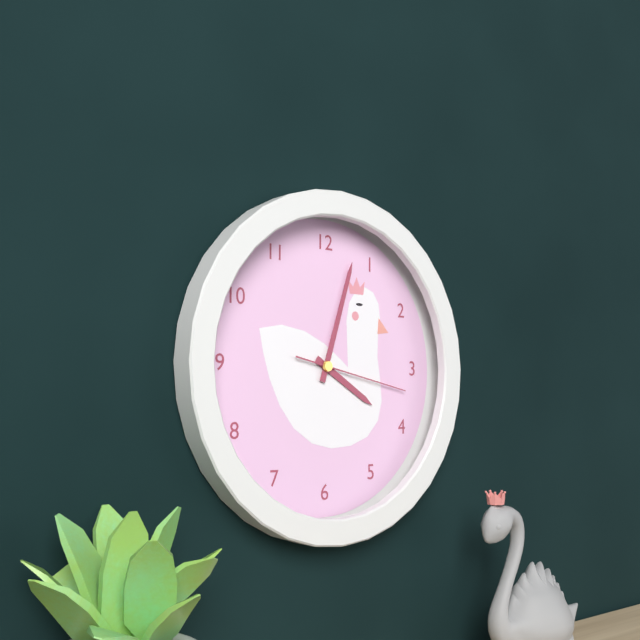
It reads 4:03:17
